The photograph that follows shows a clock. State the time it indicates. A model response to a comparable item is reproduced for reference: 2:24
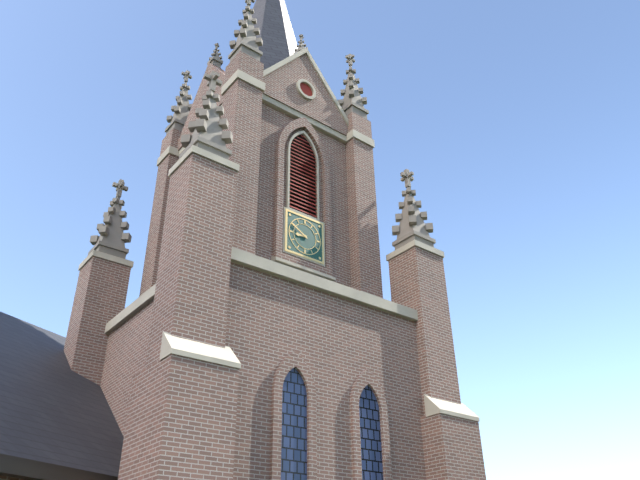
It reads 8:50
